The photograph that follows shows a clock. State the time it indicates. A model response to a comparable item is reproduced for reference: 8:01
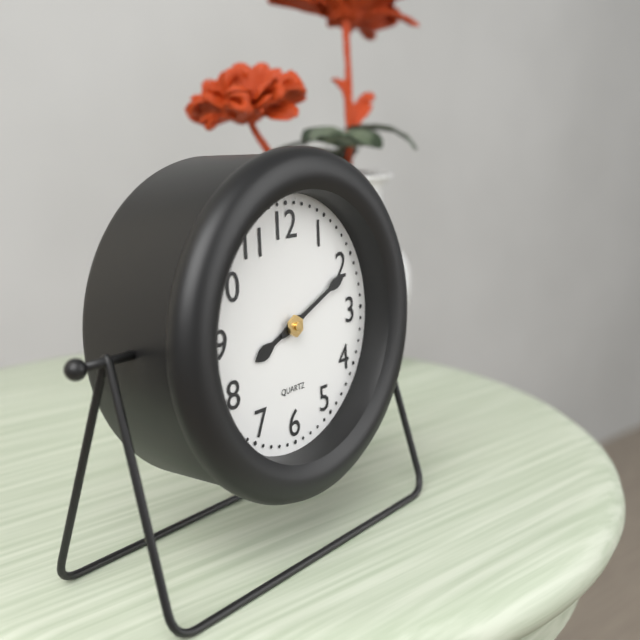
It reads 8:11
